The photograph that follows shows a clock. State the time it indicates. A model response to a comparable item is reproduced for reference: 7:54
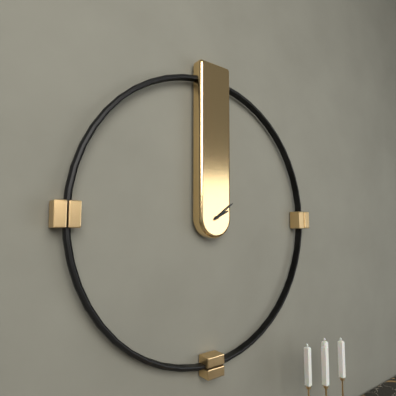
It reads 2:09
